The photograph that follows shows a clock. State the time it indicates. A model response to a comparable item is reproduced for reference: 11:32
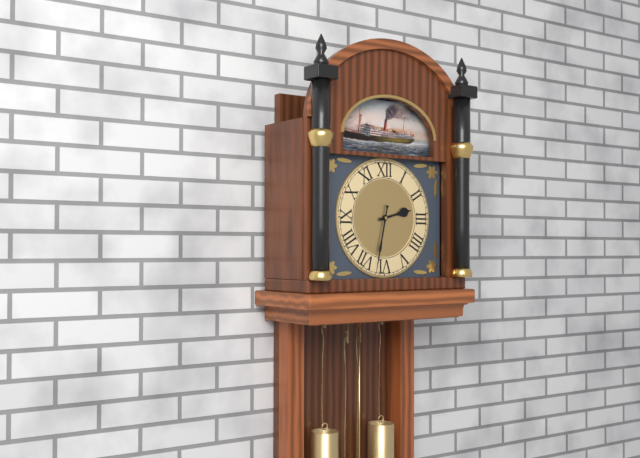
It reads 2:32
